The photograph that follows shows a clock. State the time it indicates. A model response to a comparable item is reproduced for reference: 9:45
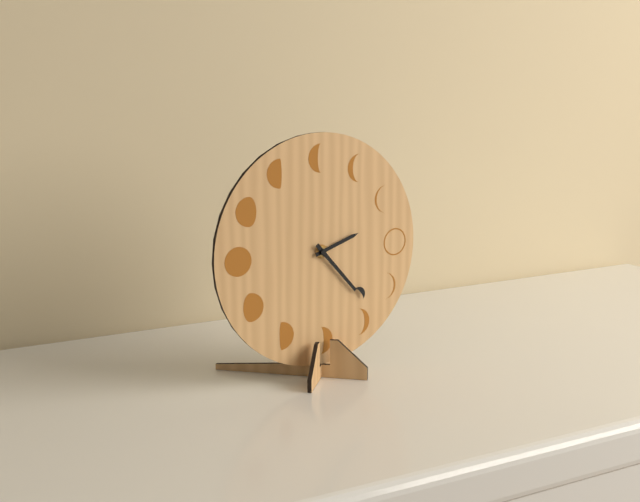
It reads 2:23
